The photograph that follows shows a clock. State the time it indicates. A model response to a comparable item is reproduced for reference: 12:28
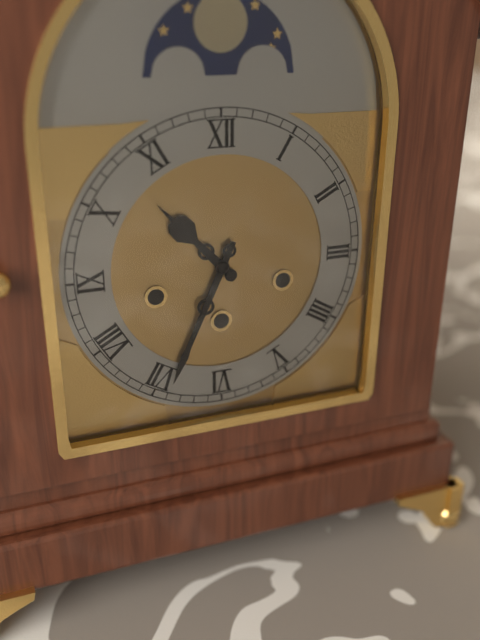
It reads 10:34
